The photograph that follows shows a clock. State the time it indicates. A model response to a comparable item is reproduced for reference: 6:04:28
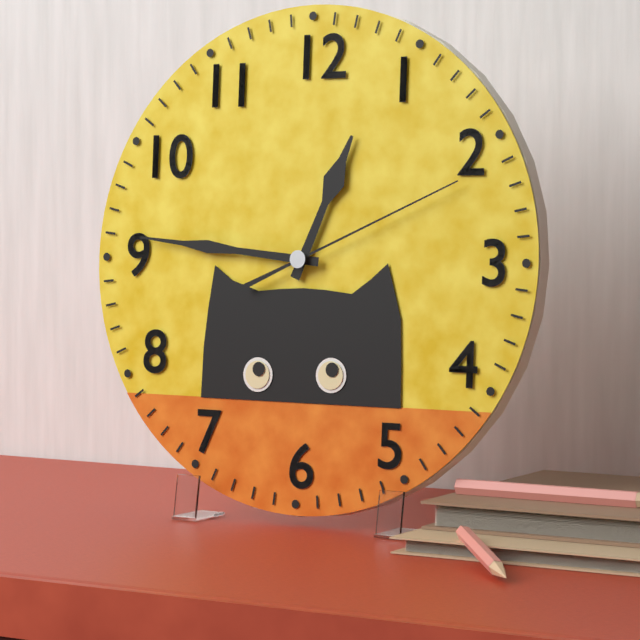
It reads 12:46:11
